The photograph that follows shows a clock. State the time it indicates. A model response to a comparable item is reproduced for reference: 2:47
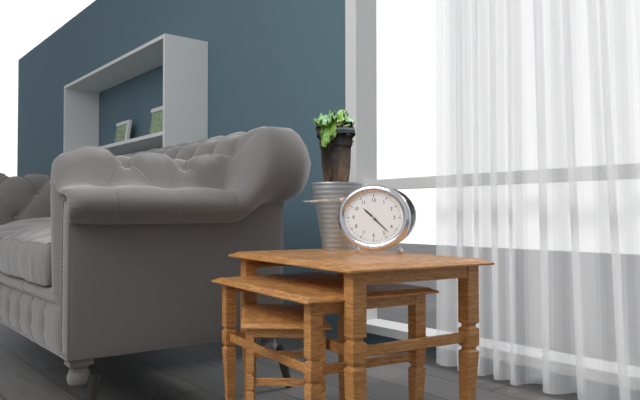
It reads 10:22
